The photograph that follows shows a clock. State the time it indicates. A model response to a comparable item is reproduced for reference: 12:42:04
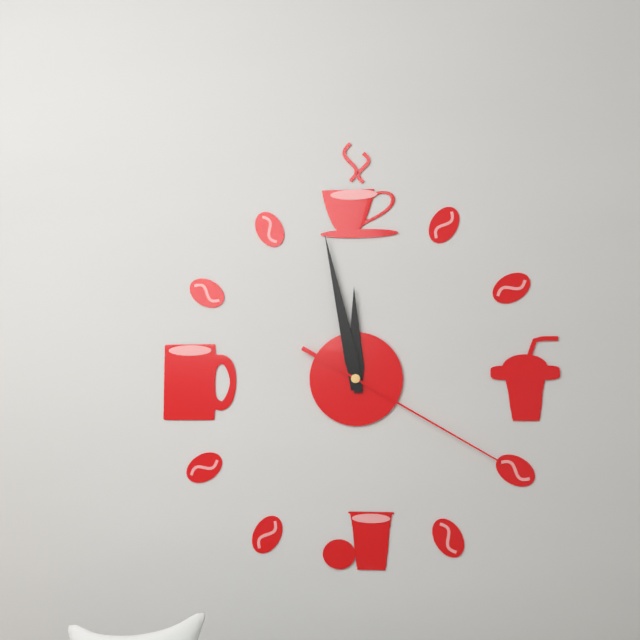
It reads 11:58:20
